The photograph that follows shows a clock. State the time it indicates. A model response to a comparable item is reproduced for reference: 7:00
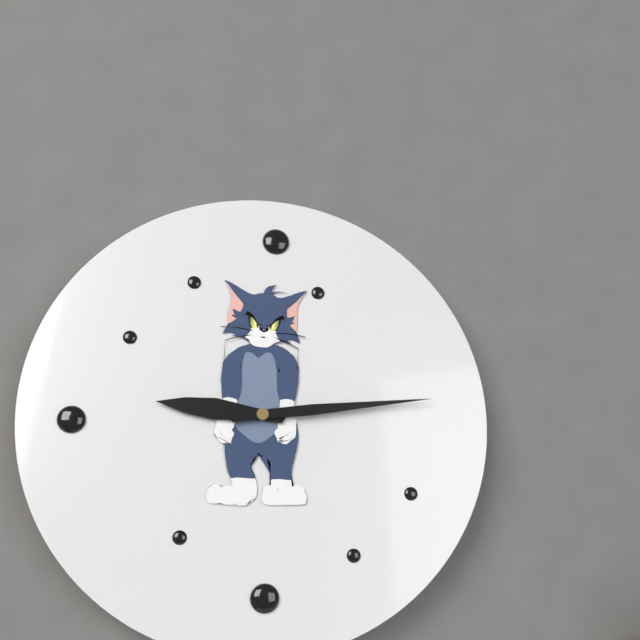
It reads 9:14
